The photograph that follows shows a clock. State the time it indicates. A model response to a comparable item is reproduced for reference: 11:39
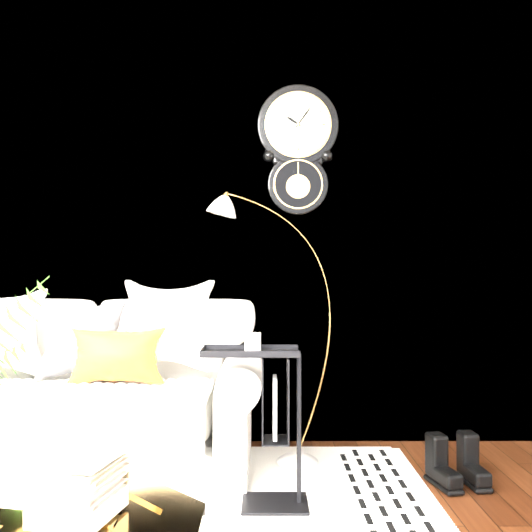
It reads 10:06
